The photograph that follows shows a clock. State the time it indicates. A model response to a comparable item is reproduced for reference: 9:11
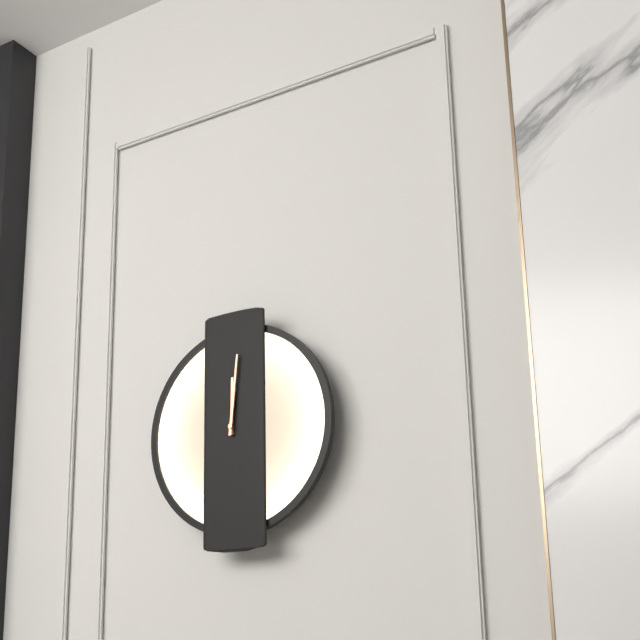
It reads 12:01
